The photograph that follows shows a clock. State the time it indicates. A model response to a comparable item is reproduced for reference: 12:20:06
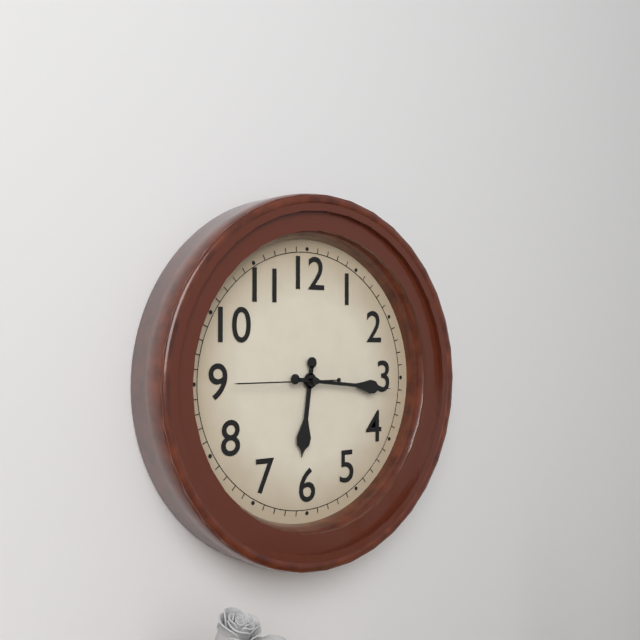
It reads 6:16:45
